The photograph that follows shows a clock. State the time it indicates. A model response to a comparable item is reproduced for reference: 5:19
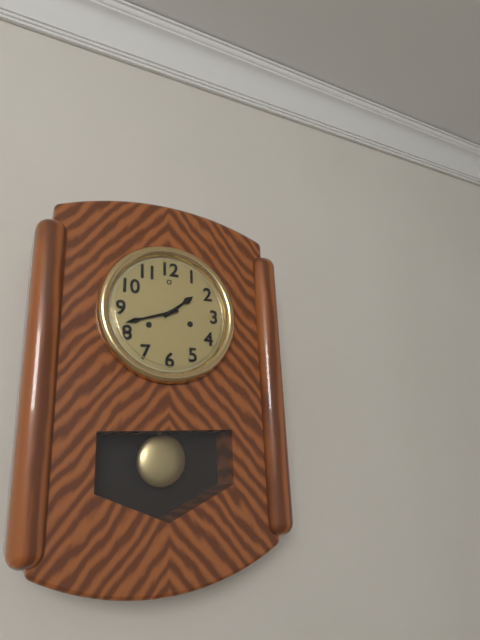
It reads 1:42
